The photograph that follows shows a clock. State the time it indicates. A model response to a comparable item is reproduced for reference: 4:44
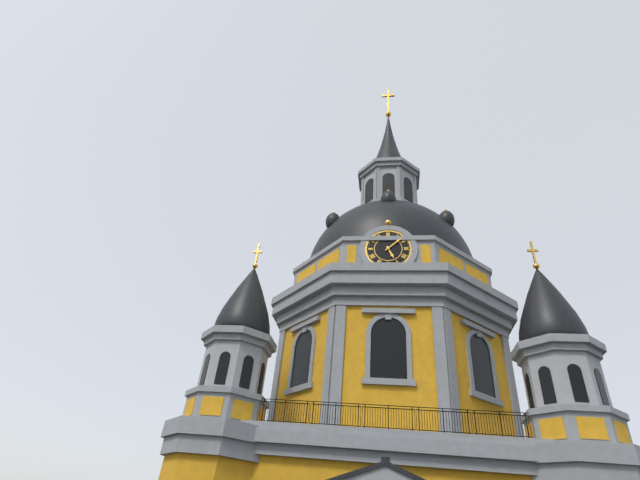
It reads 5:08
